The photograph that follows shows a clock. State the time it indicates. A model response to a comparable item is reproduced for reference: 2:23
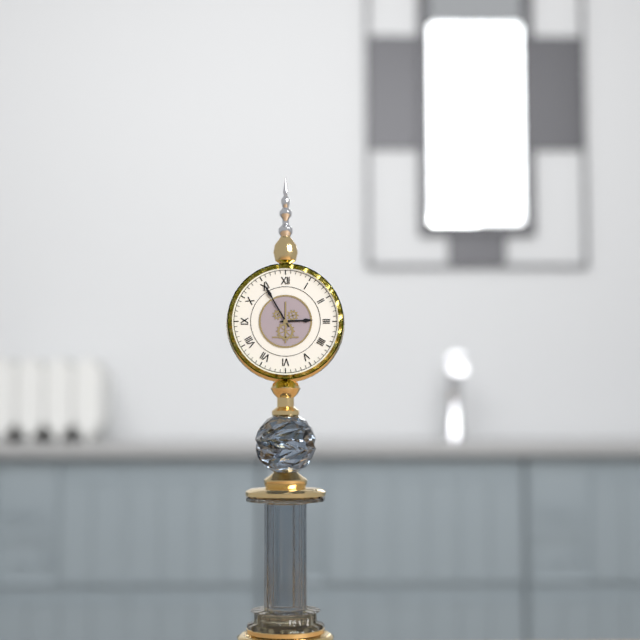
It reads 2:55
